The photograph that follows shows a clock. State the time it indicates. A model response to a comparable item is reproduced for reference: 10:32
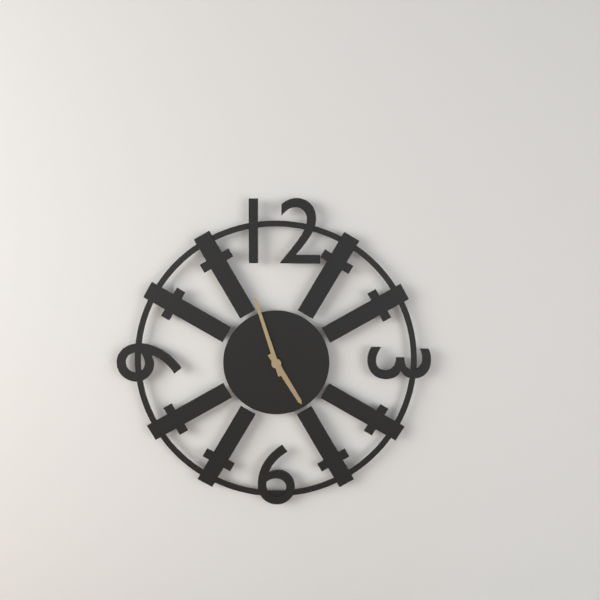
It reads 4:57
